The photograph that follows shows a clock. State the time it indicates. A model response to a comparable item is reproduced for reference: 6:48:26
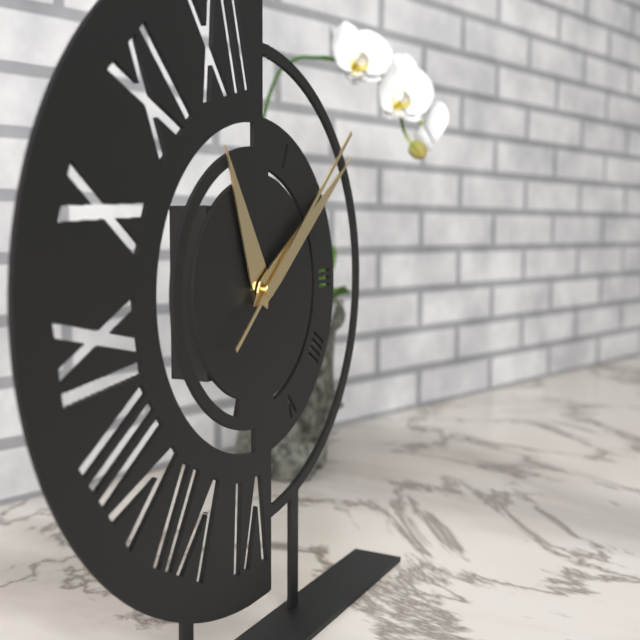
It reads 11:09:08
